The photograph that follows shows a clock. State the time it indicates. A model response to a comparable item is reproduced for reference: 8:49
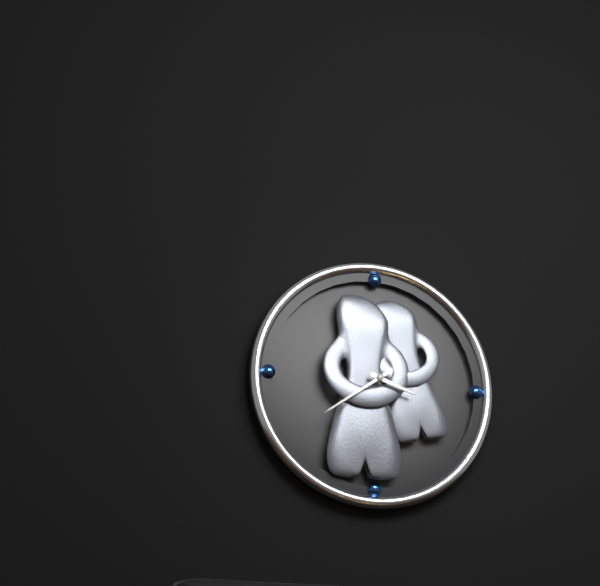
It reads 3:39
